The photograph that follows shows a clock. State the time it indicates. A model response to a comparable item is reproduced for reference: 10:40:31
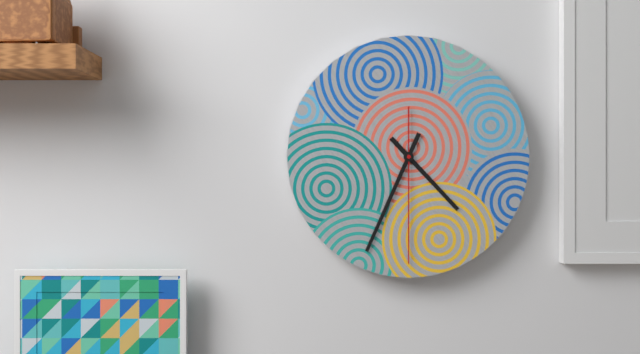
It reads 4:34:30
